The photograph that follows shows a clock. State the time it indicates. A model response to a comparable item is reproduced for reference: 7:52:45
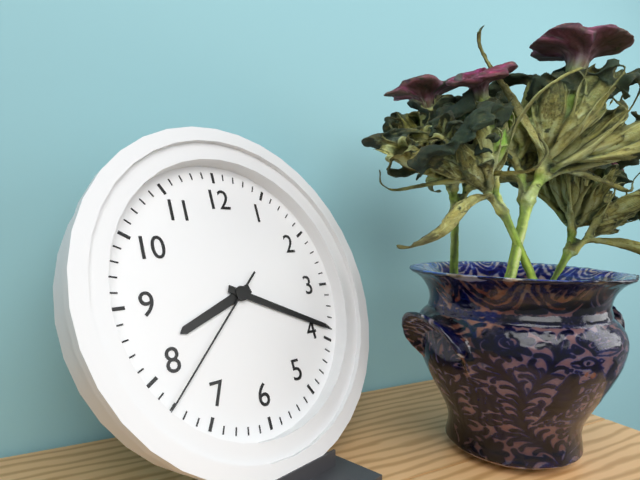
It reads 8:19:38
